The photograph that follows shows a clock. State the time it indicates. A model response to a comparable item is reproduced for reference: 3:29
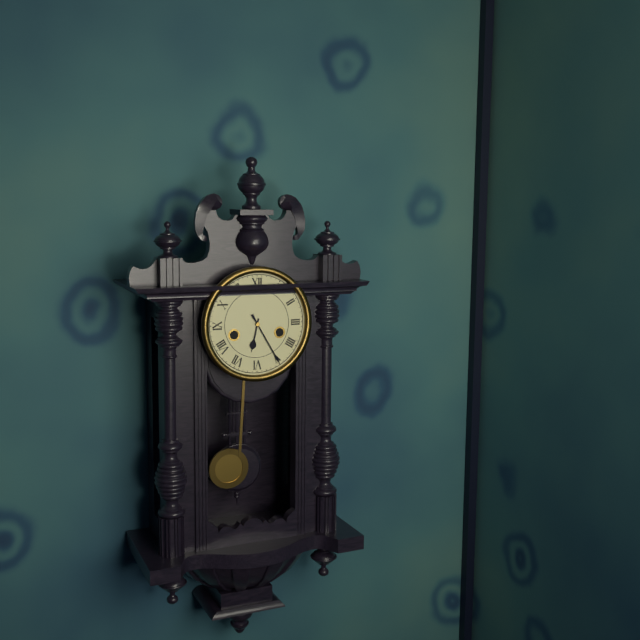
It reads 6:25
